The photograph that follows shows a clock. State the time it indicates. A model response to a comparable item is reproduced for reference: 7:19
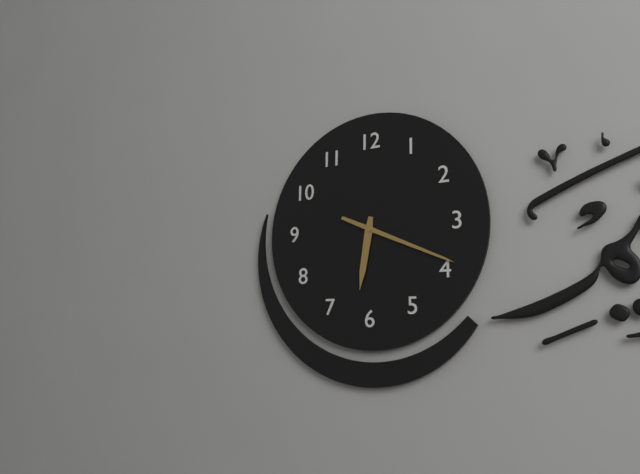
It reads 6:19
